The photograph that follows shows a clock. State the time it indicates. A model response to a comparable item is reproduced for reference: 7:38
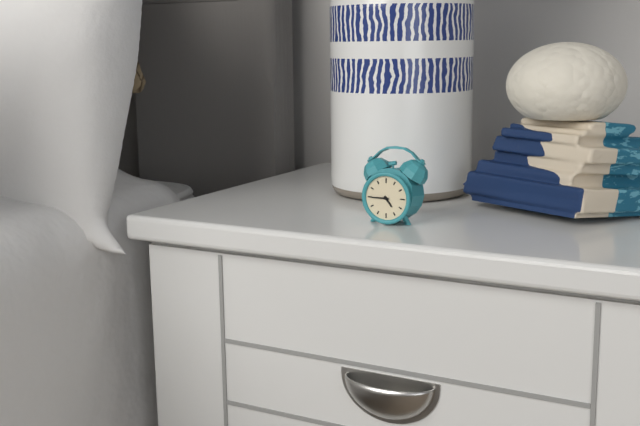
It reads 4:45
